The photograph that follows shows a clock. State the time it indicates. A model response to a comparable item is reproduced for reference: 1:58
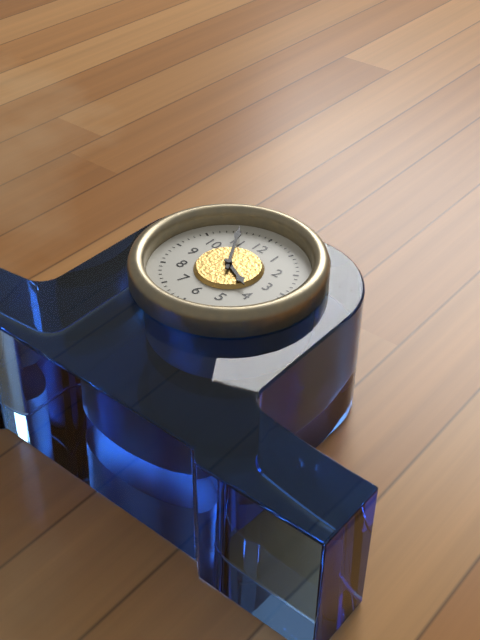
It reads 3:55
